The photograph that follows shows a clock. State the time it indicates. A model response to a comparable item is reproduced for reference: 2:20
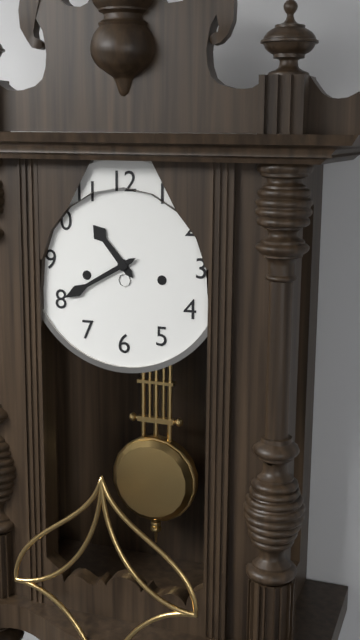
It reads 10:40
